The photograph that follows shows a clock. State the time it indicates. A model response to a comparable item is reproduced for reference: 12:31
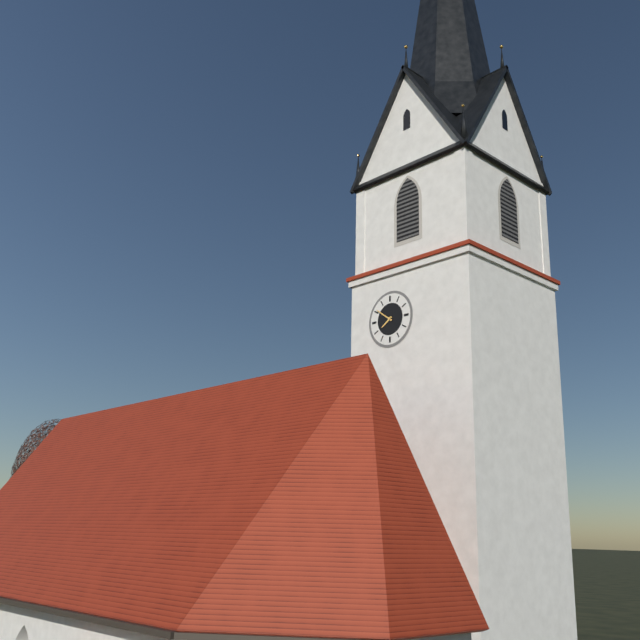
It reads 7:51
